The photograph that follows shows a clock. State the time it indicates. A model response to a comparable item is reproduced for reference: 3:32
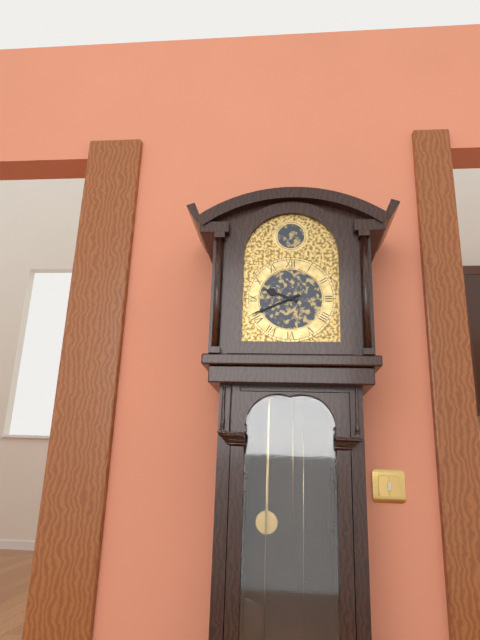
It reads 9:41
